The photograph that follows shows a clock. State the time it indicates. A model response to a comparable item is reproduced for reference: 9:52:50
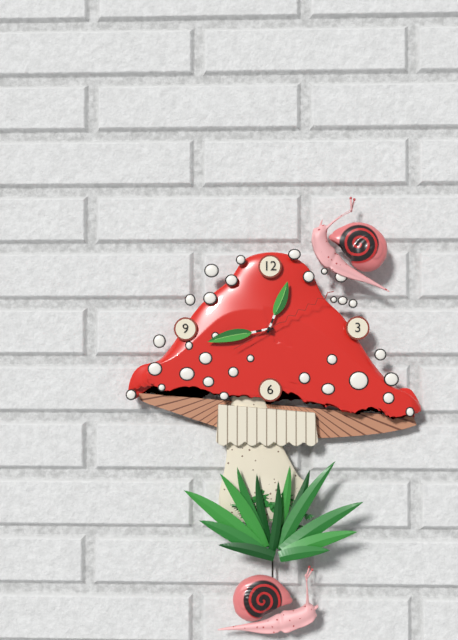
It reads 12:43:10
